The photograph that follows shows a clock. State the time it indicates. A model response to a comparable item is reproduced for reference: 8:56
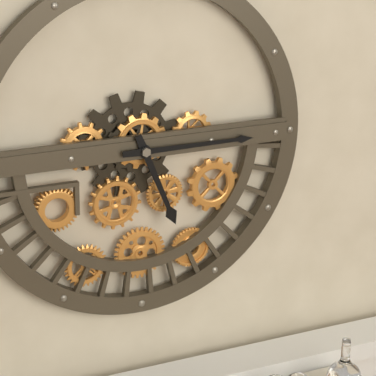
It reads 5:15
